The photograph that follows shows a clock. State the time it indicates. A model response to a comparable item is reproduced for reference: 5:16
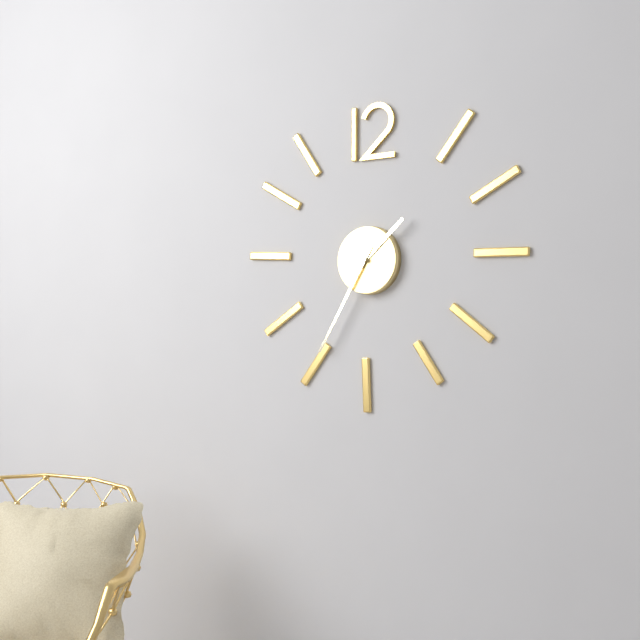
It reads 1:35
